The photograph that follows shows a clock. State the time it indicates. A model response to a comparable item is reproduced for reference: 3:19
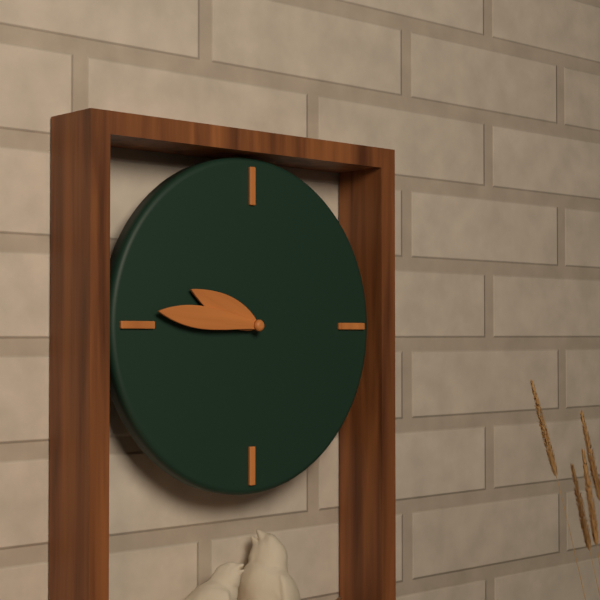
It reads 9:46
